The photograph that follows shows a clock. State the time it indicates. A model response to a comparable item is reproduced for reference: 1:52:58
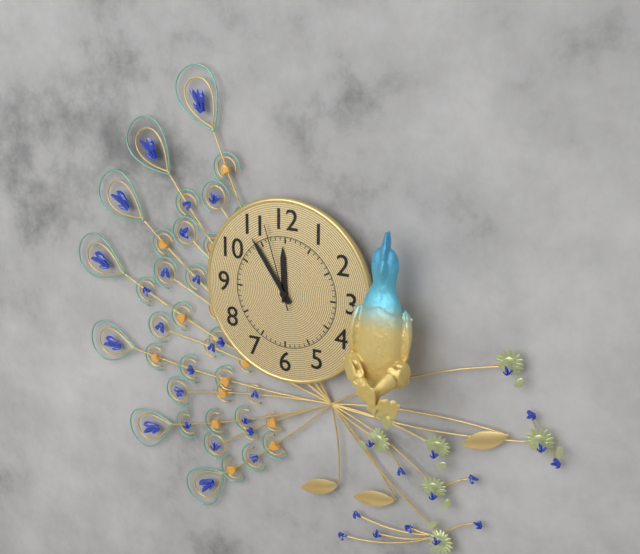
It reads 11:54:57
